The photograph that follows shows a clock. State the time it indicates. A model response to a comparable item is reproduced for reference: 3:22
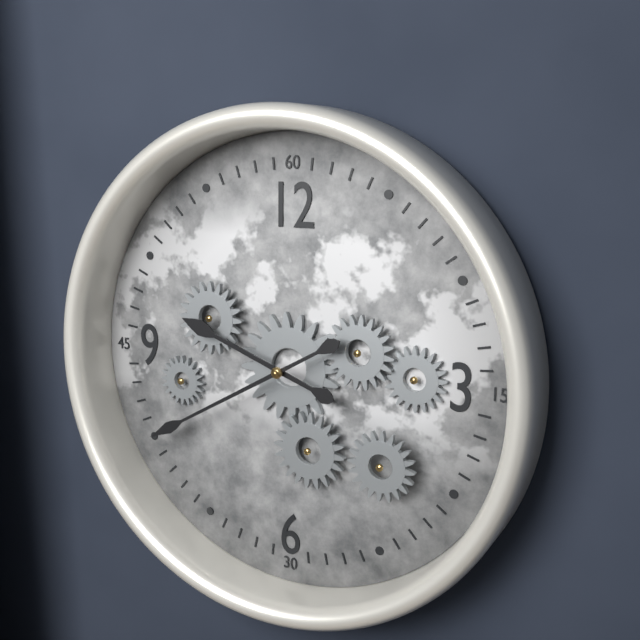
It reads 9:40
